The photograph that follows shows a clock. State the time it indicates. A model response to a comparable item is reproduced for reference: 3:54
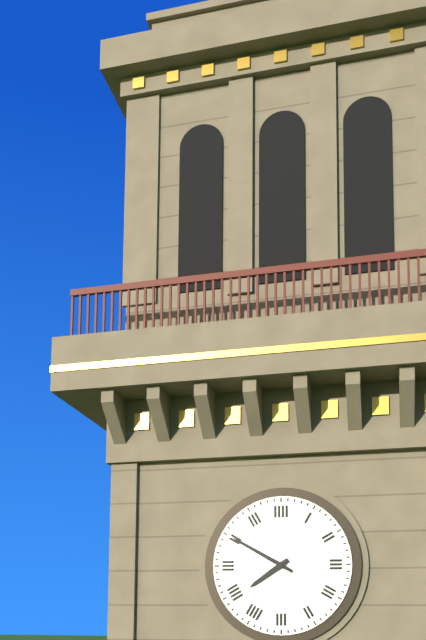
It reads 7:50
